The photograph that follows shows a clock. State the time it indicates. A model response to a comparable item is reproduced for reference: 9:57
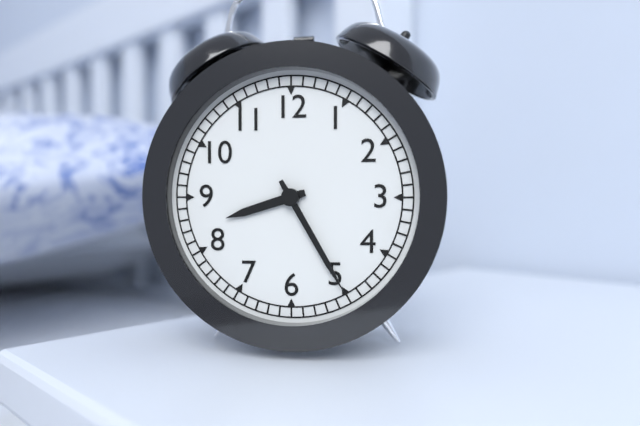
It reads 8:25
